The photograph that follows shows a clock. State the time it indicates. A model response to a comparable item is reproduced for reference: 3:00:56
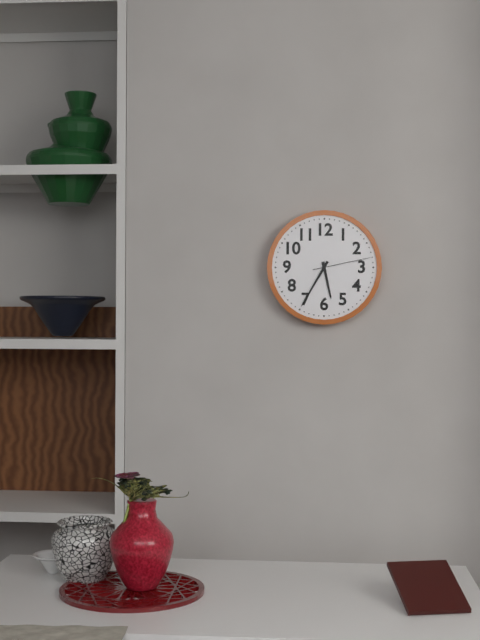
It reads 5:35:13
